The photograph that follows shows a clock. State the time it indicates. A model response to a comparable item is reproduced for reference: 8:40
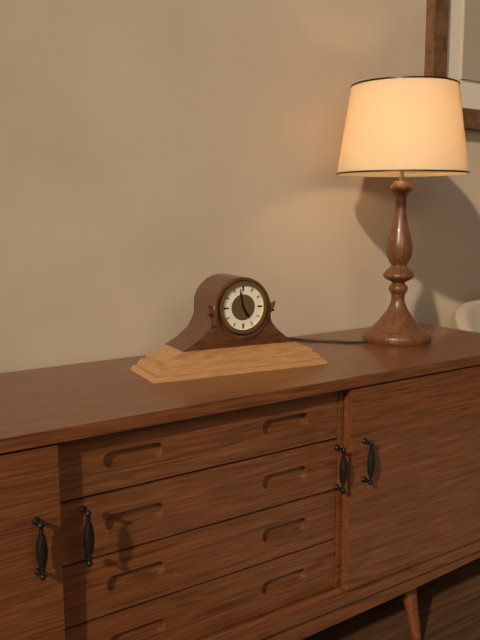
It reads 4:58
